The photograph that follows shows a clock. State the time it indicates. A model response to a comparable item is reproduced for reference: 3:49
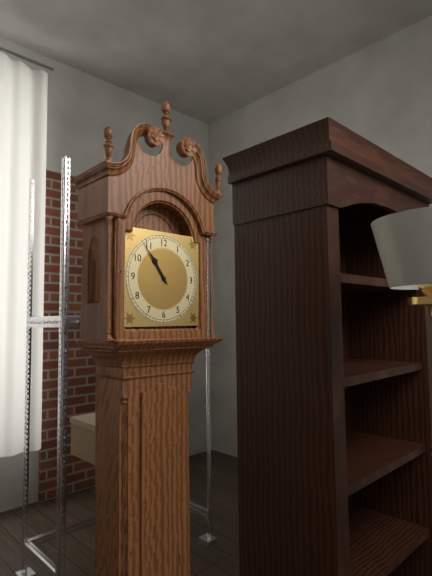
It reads 10:54
